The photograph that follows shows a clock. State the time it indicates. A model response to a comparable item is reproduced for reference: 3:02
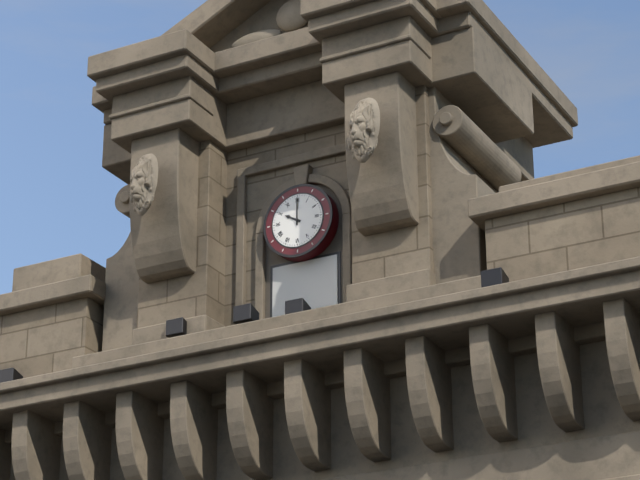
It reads 10:00
